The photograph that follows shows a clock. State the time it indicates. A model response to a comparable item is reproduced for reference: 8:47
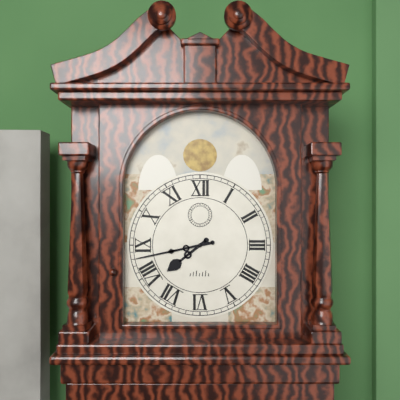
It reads 7:43
